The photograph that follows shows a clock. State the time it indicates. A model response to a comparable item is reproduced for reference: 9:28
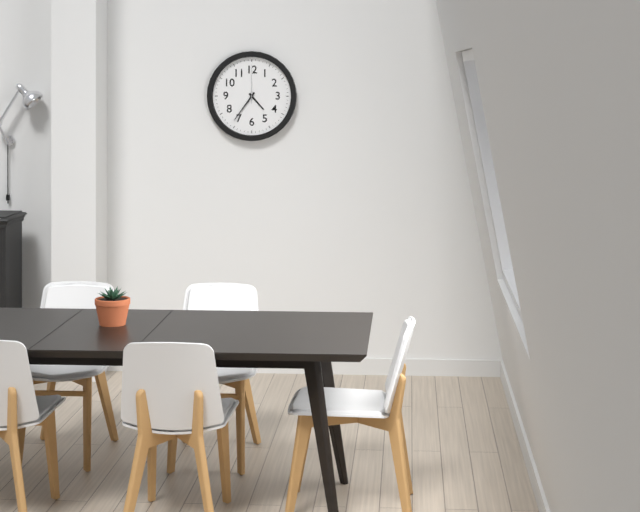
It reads 4:36
